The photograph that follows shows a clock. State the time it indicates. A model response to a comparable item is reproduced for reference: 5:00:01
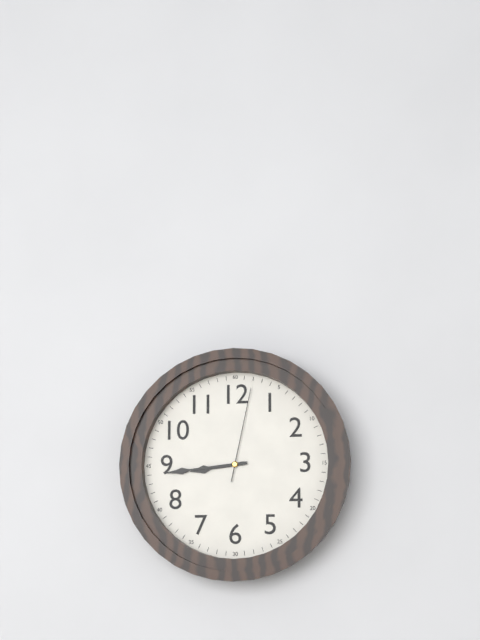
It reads 8:44:02
